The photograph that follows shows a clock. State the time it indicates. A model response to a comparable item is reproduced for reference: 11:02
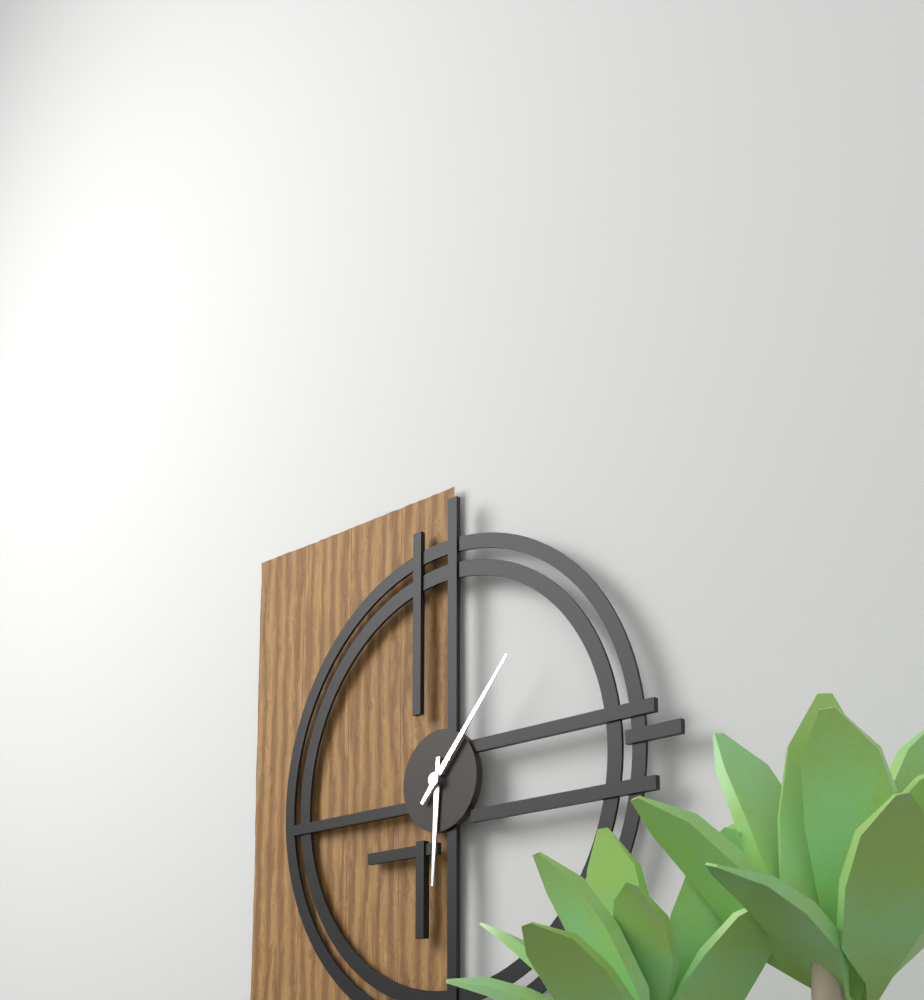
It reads 6:07
